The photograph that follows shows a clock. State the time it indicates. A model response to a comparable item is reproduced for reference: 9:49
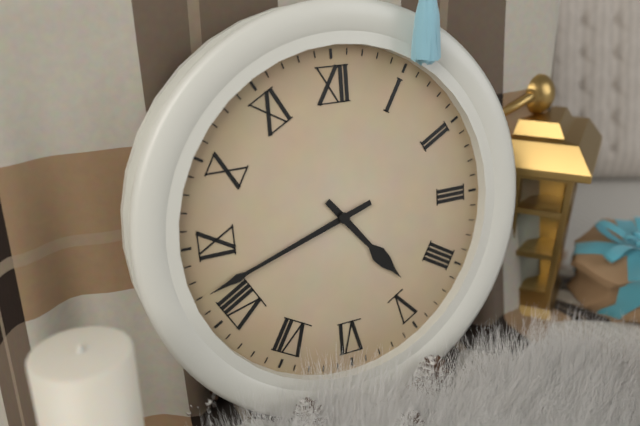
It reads 4:42
